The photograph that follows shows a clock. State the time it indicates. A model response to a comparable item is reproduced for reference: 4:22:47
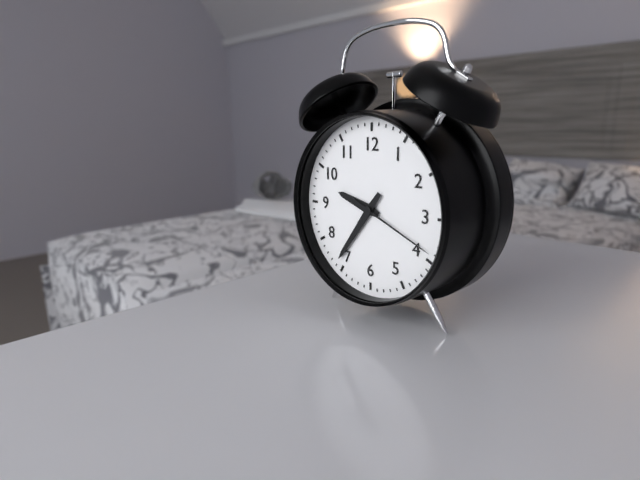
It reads 9:36:19
